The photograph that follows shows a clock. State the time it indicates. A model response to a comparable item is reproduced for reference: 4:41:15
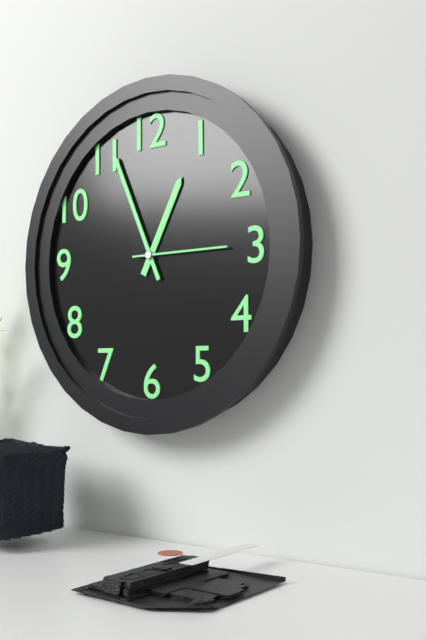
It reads 12:56:15
